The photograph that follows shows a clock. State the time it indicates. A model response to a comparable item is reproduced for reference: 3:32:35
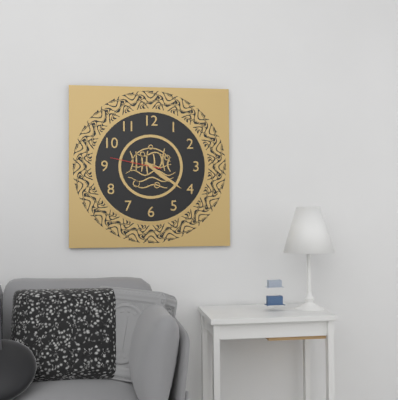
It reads 4:21:47
